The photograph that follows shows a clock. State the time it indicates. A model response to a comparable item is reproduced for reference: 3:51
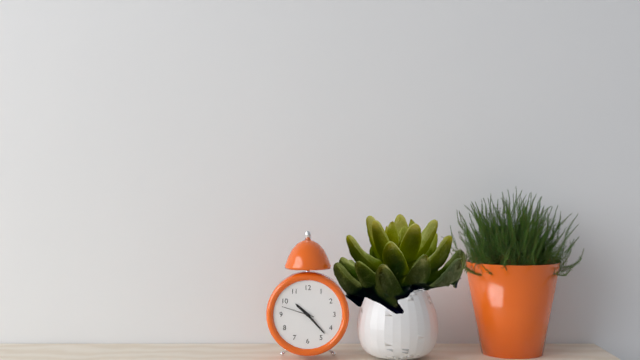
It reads 10:23
